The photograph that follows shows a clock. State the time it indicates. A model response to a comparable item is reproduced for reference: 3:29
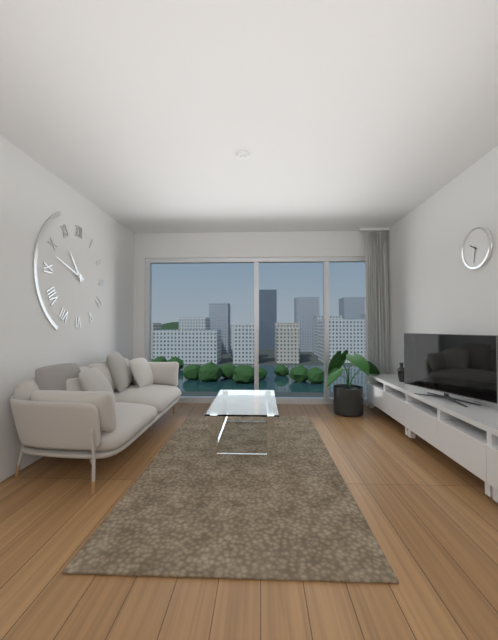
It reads 10:48
